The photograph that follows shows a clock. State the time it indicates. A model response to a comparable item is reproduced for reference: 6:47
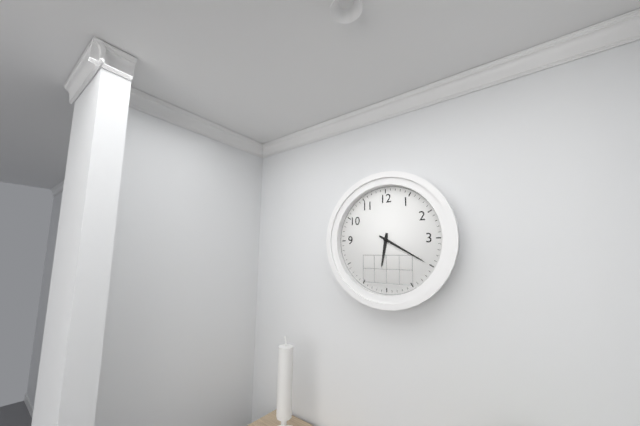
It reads 6:20
